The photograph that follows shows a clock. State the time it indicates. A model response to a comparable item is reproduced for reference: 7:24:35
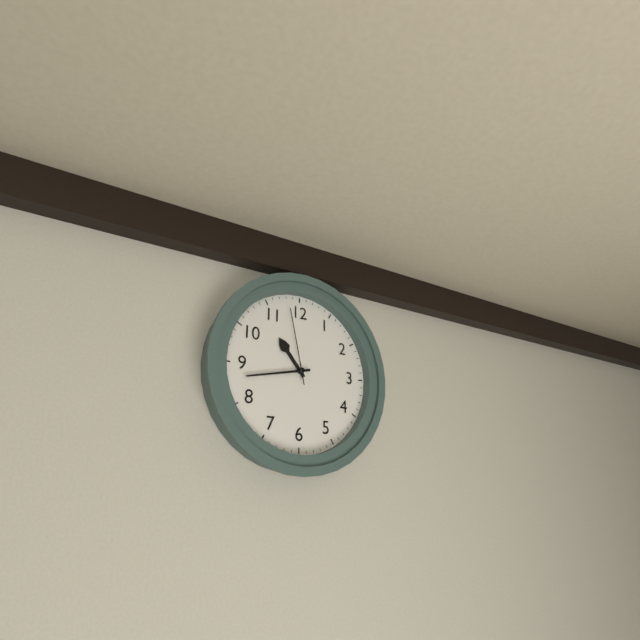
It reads 10:43:58
